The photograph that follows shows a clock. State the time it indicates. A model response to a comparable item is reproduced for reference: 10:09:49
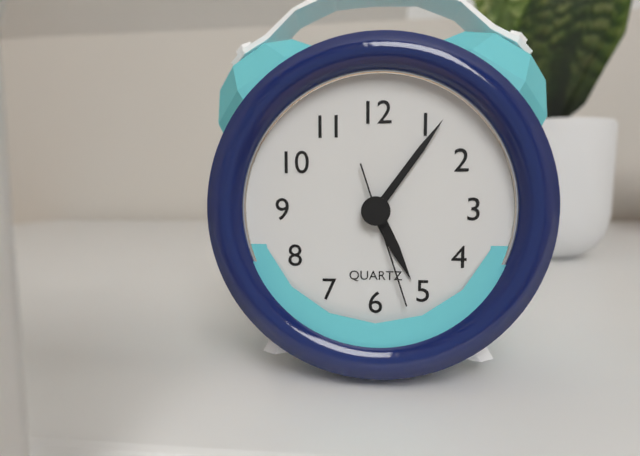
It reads 5:06:27
